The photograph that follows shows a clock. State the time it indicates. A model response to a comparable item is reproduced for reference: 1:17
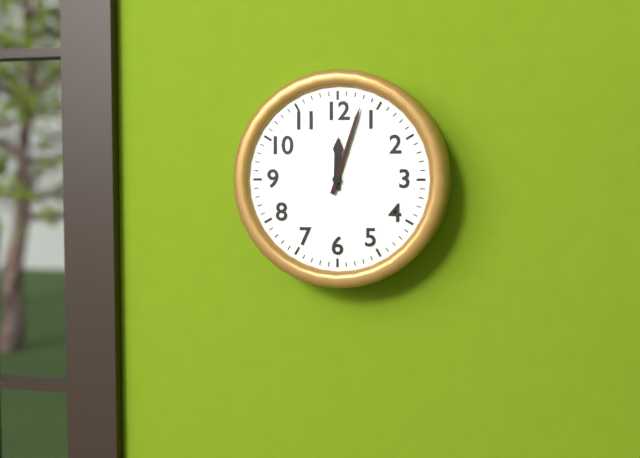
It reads 12:03
